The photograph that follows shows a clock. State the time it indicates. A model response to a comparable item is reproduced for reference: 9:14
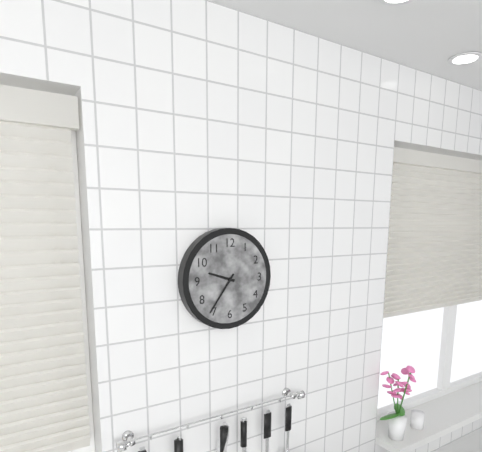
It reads 9:36
